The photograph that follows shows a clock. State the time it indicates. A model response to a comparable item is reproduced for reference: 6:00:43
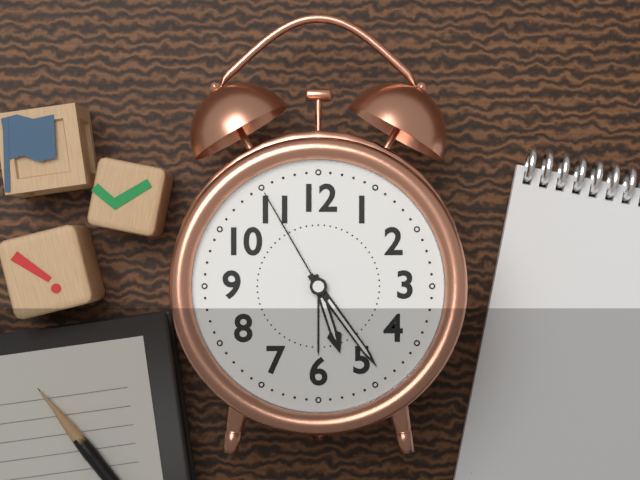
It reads 5:24:55
